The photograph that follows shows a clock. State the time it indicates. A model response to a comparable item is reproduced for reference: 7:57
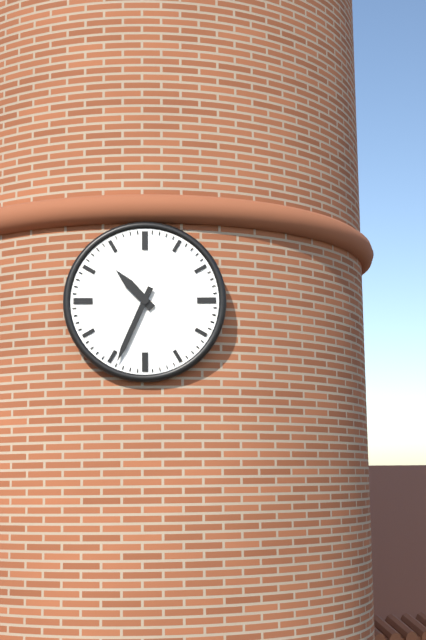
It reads 10:34
